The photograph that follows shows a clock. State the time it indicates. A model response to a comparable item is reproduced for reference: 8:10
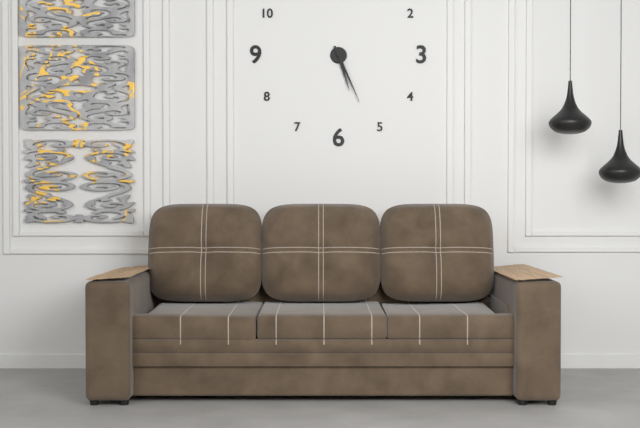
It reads 5:26
